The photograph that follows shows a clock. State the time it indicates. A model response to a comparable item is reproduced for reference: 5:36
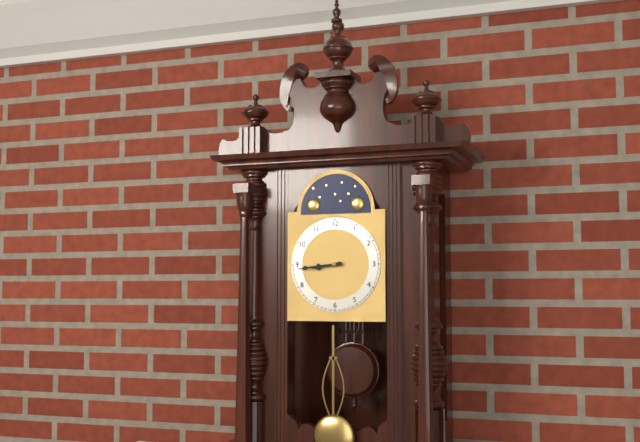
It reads 8:44
